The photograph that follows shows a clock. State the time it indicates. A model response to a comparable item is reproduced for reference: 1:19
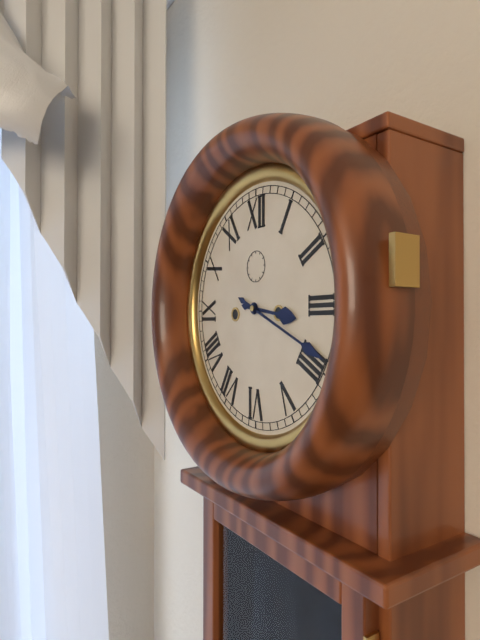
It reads 3:19
